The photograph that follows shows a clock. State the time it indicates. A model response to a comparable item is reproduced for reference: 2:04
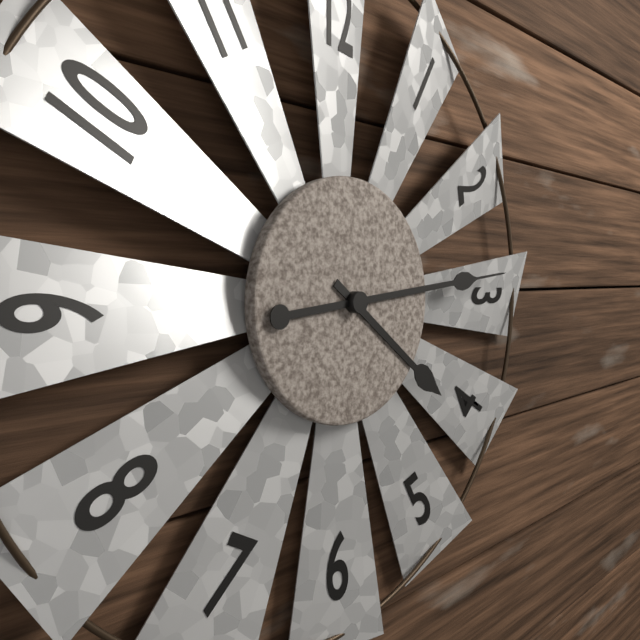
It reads 4:14
